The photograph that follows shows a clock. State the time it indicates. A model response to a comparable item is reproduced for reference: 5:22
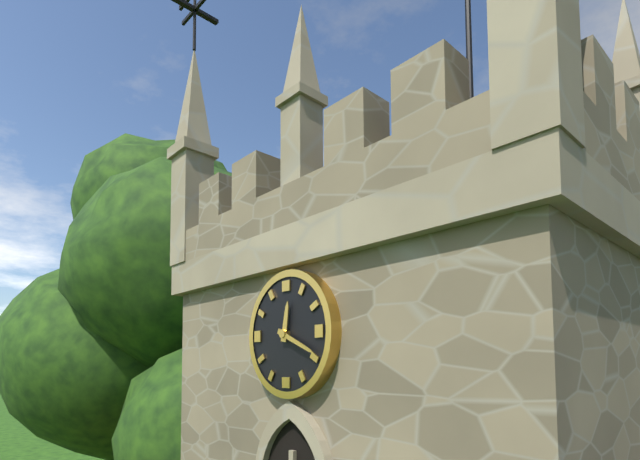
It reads 12:19
